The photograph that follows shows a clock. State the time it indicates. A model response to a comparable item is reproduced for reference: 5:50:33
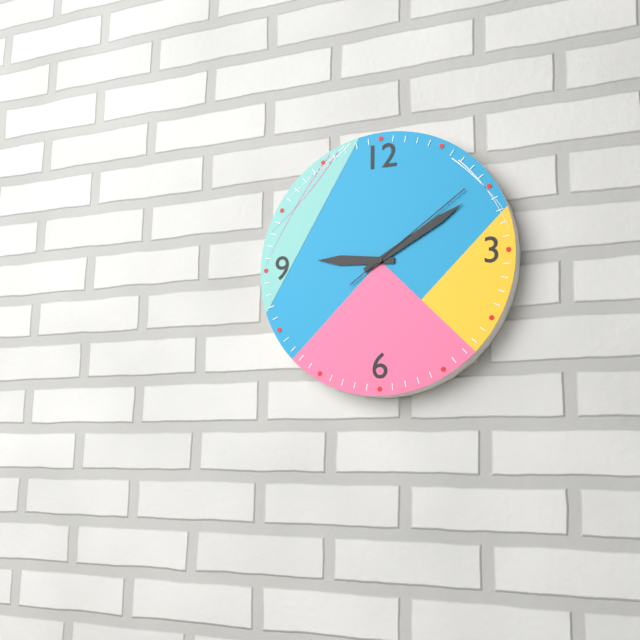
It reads 9:10:09
